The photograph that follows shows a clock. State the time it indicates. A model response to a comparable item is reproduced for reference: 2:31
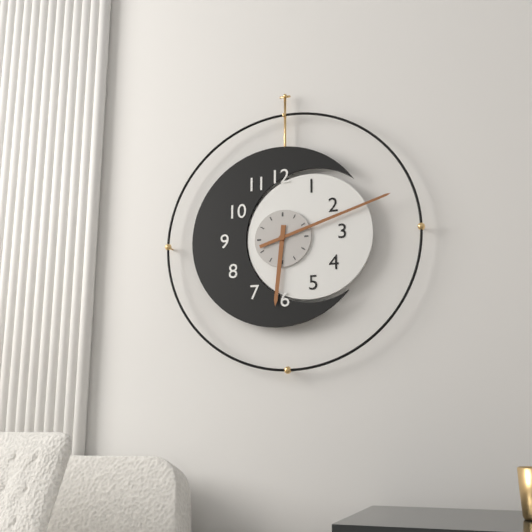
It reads 6:12
